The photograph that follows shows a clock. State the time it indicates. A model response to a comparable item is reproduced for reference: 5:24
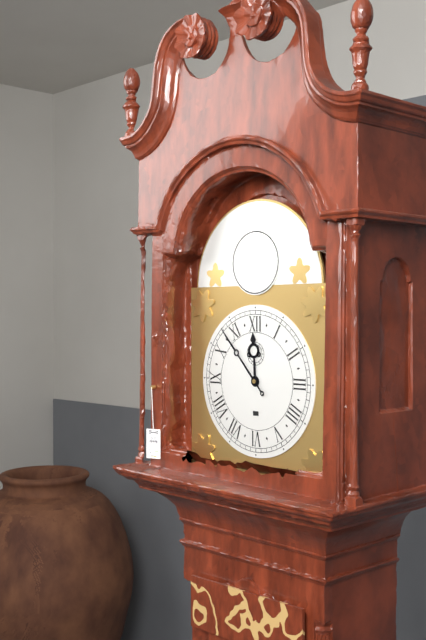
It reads 11:53
